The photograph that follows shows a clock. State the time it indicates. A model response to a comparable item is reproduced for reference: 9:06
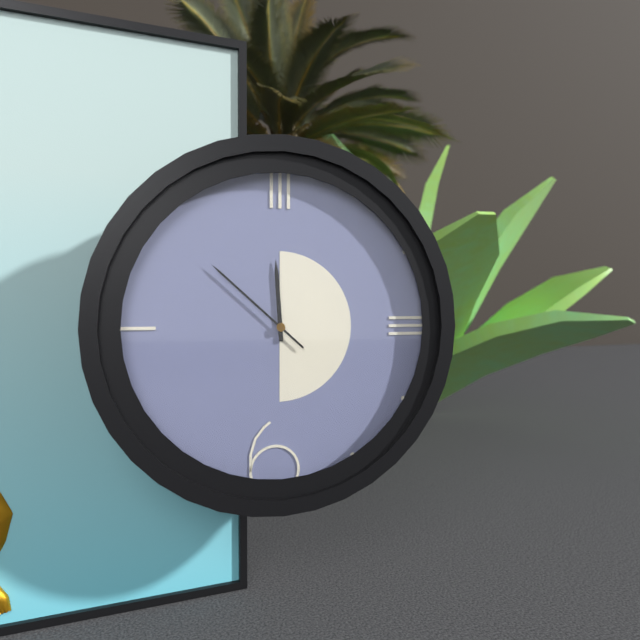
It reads 11:52
